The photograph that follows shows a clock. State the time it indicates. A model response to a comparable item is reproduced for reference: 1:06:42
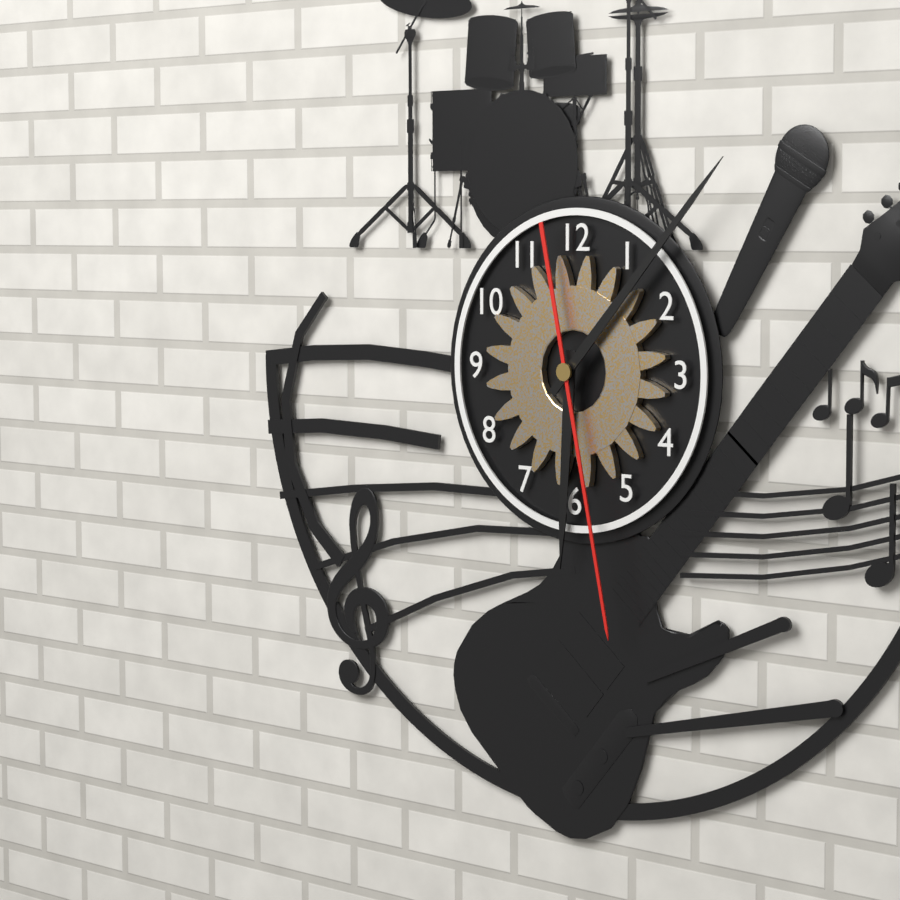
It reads 6:07:28
